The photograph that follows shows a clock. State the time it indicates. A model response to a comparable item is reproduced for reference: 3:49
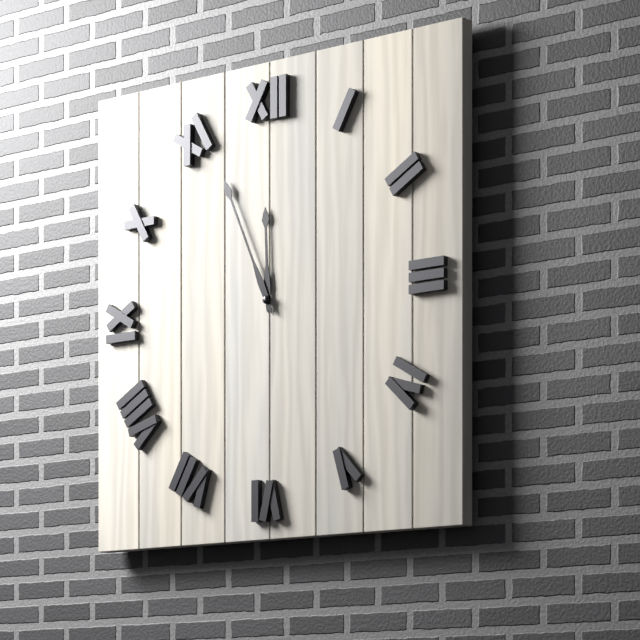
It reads 11:56
